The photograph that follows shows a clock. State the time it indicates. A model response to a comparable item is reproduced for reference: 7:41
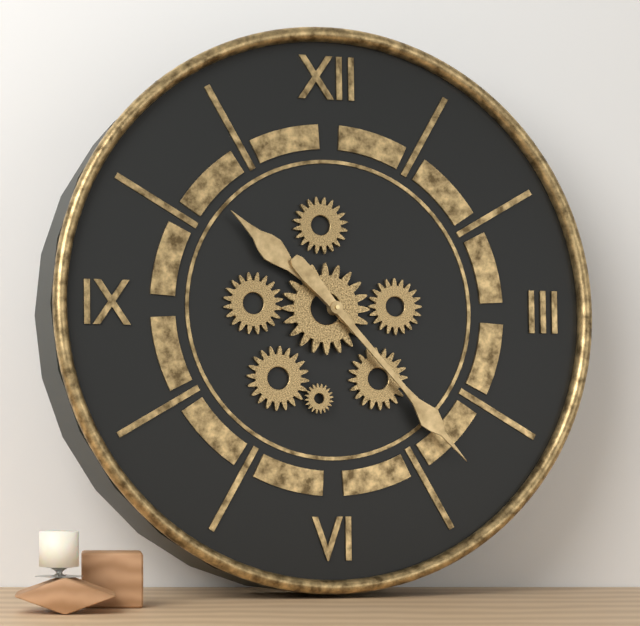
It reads 10:23
